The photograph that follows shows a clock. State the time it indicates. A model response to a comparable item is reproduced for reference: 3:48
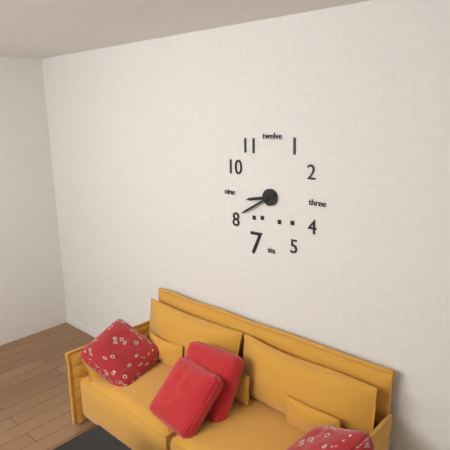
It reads 8:40
